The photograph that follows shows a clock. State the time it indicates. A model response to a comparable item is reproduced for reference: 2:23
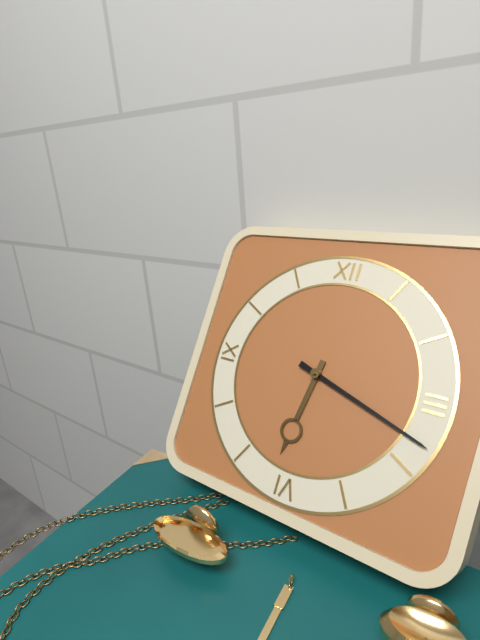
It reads 6:18
